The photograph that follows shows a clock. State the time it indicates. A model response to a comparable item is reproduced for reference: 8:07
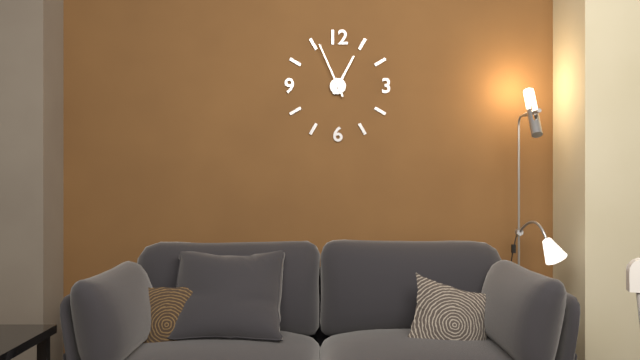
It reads 12:56
